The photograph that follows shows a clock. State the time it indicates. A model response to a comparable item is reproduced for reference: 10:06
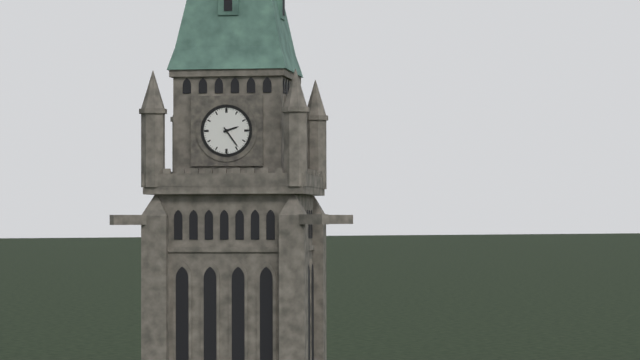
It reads 2:24
